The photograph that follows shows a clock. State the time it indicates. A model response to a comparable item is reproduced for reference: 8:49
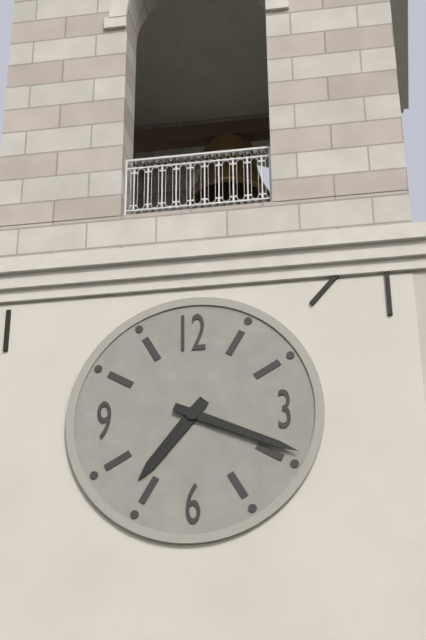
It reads 7:19
